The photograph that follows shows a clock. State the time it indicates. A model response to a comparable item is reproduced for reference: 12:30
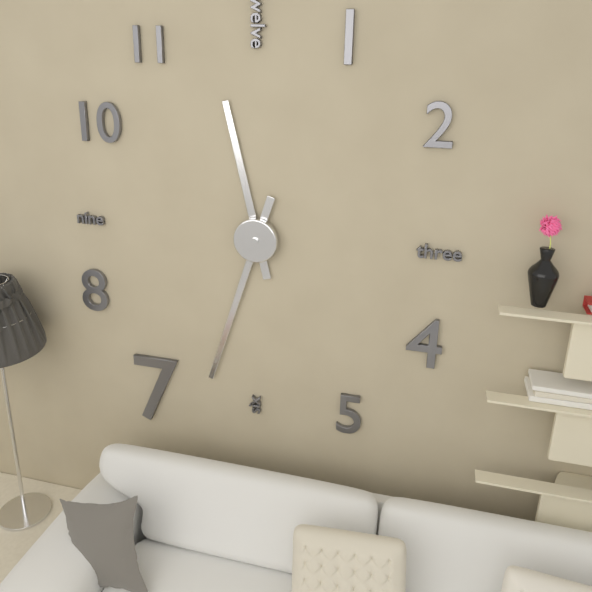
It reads 11:33
